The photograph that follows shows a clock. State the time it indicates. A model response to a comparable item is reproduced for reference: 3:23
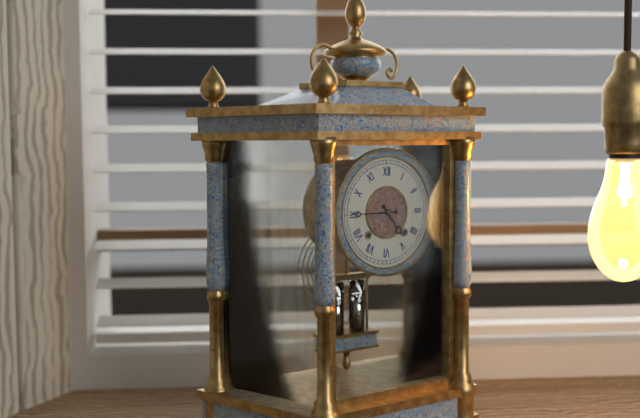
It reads 4:45
